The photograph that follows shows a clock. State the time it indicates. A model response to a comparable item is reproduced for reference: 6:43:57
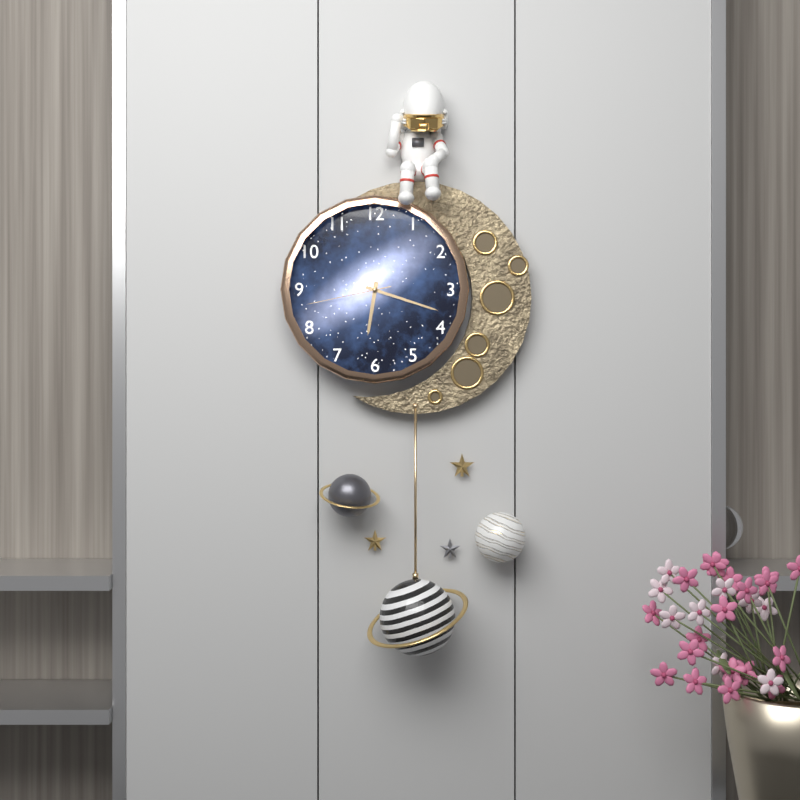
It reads 6:18:43
